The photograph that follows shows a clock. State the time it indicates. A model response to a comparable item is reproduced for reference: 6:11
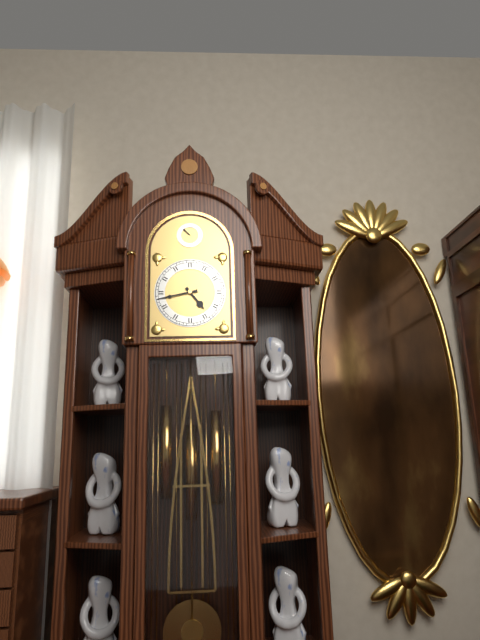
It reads 4:43
